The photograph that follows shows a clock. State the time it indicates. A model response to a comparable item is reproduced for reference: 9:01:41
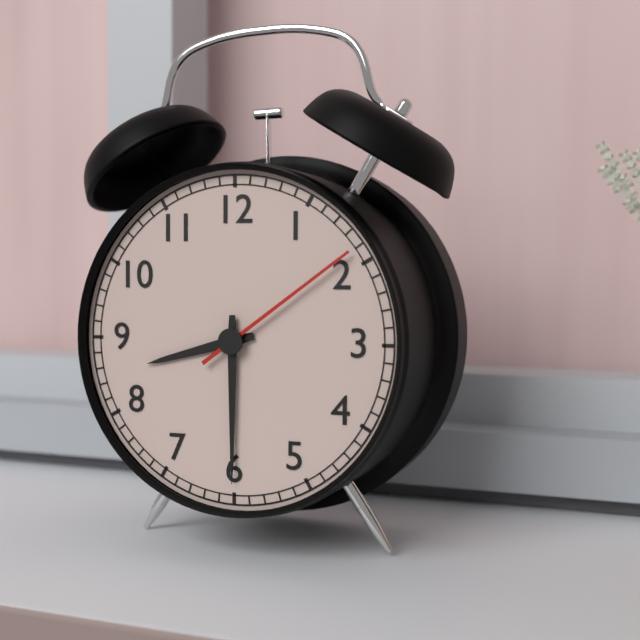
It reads 8:30:09
